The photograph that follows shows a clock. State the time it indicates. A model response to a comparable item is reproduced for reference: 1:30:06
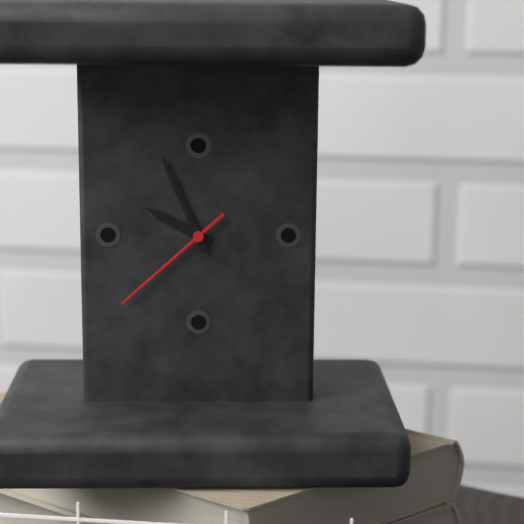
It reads 9:56:38
